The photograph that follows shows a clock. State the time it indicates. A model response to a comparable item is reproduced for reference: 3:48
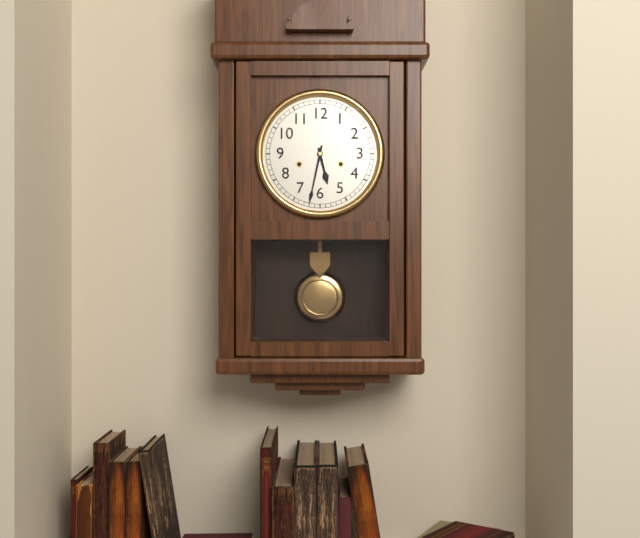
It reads 5:32
